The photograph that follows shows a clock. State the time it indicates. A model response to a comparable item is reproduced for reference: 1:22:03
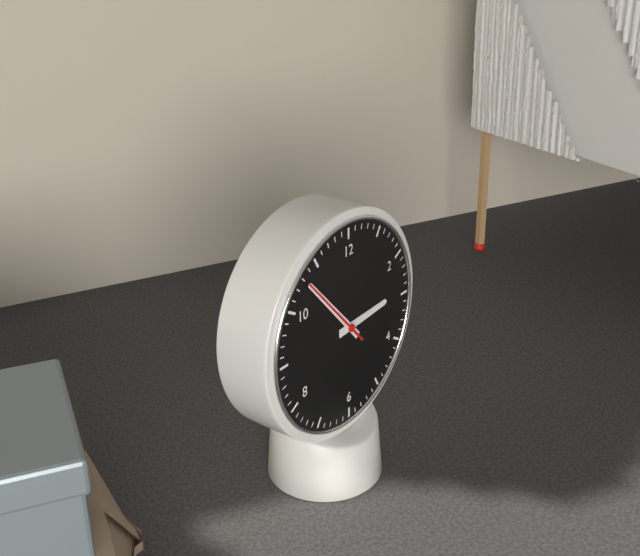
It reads 2:53:53
